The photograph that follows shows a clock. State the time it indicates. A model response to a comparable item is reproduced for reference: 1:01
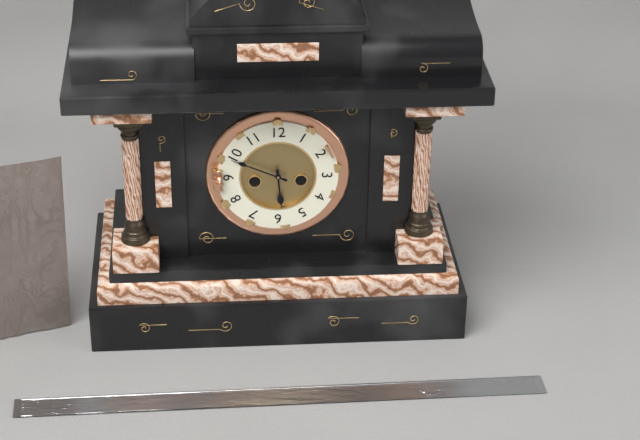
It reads 5:49
